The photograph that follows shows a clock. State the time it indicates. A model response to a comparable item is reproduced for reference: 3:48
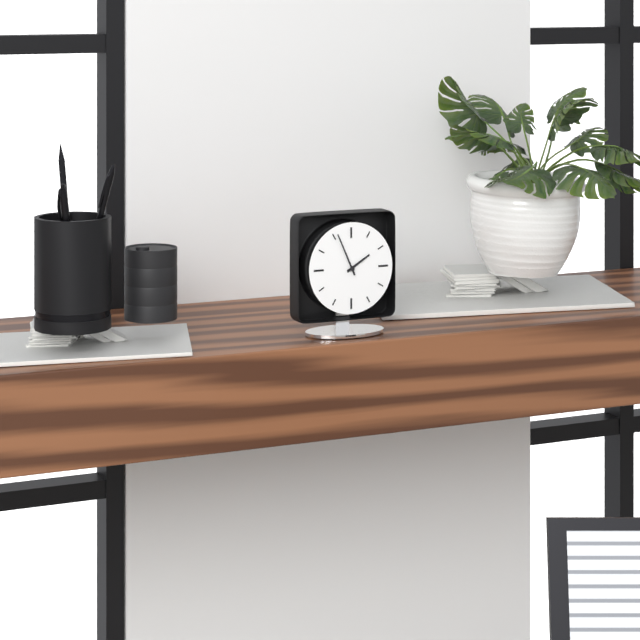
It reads 1:56
